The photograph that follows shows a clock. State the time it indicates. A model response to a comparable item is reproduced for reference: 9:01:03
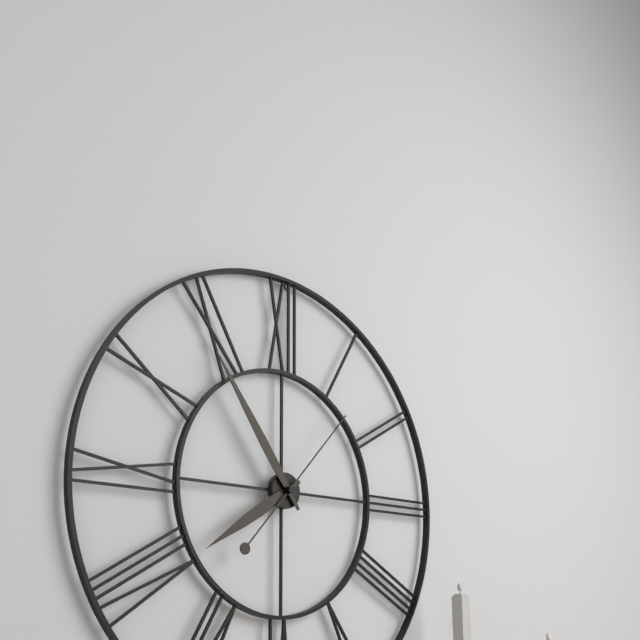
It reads 7:54:07
